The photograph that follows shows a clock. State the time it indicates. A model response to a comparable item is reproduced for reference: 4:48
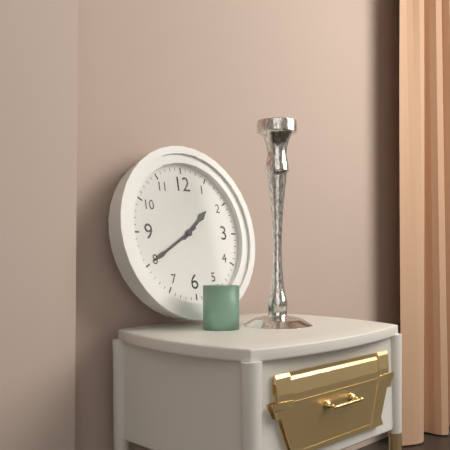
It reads 1:40
